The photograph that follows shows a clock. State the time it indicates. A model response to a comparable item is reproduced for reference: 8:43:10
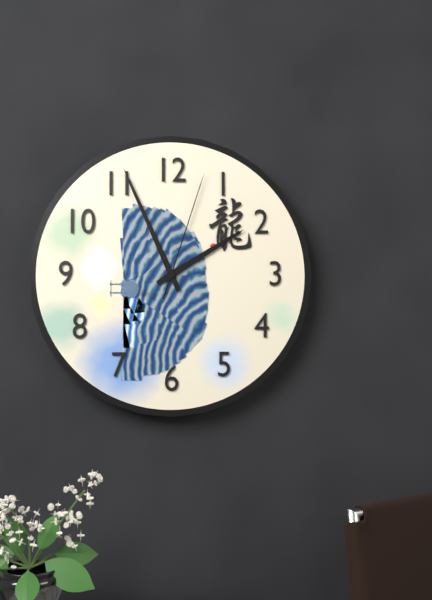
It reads 1:56:03
